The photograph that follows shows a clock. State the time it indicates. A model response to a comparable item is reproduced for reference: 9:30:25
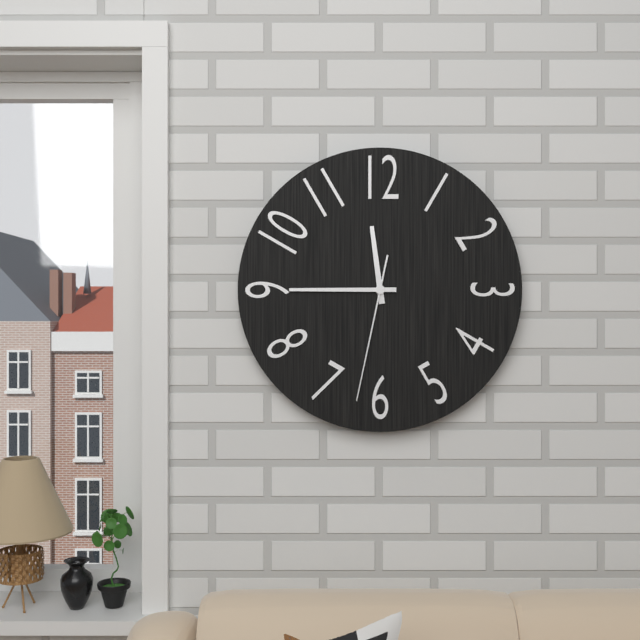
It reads 11:45:32
